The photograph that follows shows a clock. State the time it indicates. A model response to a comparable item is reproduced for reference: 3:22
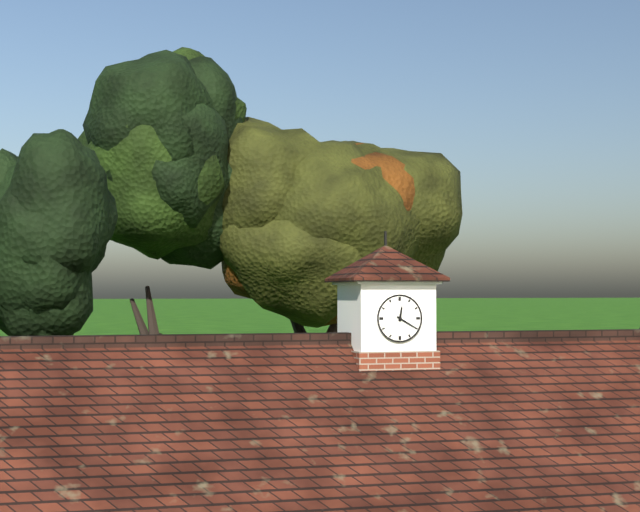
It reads 12:20
